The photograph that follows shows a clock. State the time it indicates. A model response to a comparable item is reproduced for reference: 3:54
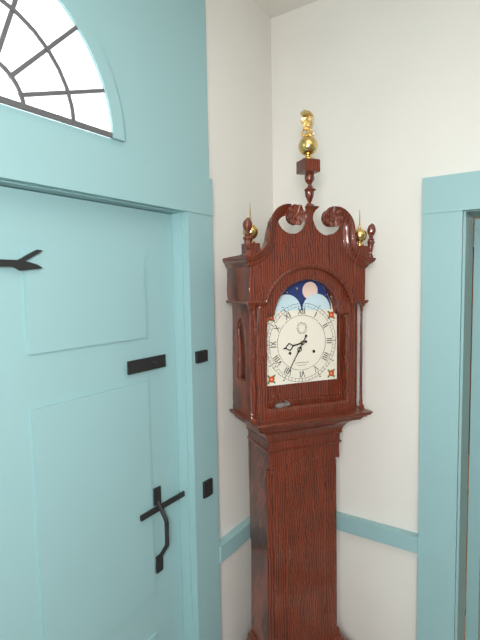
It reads 8:35
